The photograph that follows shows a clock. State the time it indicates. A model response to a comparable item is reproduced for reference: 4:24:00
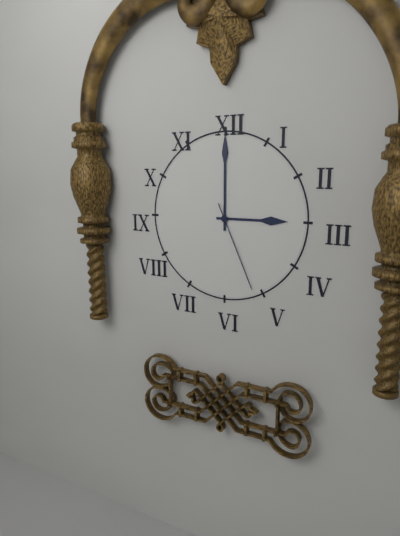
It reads 3:00:26
